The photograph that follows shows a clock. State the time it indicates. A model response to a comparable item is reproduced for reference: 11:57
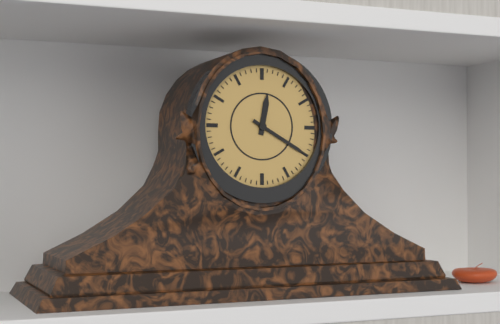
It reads 12:20
